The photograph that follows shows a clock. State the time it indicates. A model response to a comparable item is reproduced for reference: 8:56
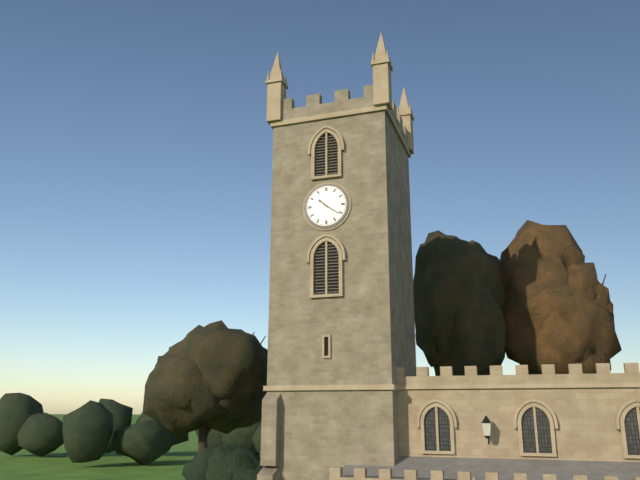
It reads 10:21
